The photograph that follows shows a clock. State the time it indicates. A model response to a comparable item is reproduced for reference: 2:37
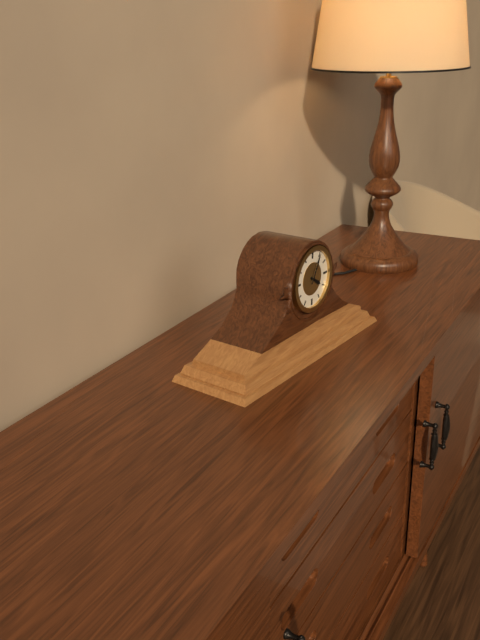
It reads 4:05
